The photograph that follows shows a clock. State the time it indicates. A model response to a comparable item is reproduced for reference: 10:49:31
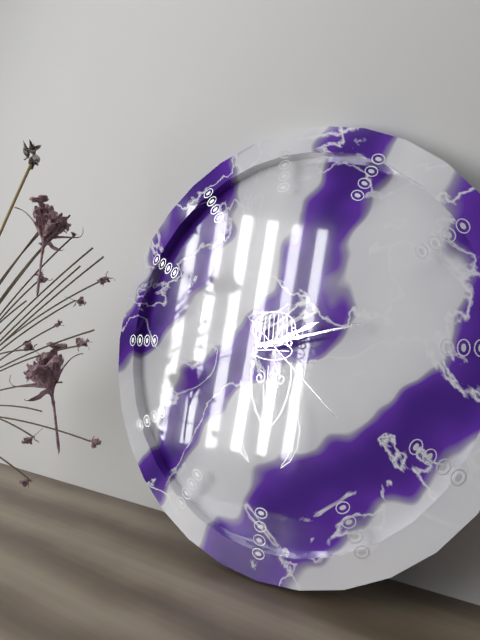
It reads 2:13:22
